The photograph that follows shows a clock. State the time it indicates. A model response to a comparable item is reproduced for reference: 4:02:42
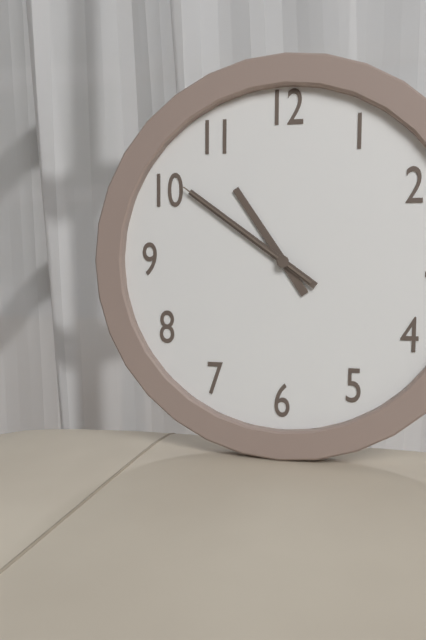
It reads 10:51:51
